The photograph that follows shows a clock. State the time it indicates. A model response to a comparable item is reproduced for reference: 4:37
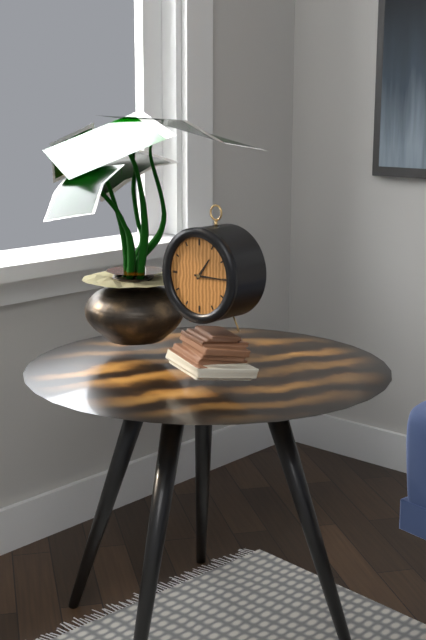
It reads 1:15
